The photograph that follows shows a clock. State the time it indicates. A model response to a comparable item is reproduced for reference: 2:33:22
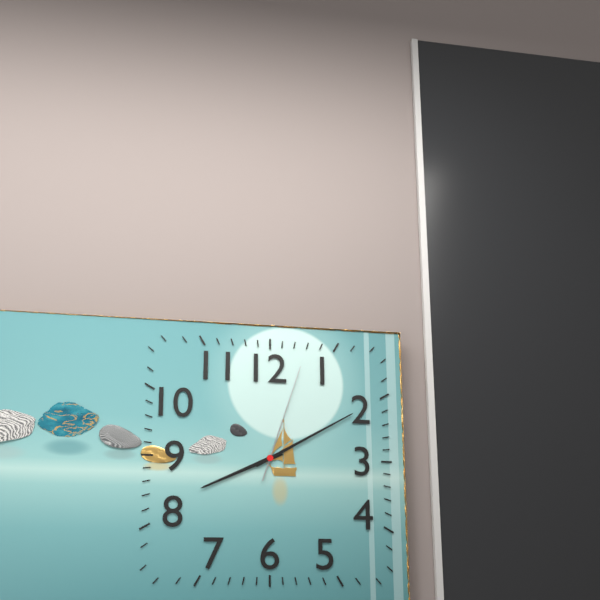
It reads 8:10:03
